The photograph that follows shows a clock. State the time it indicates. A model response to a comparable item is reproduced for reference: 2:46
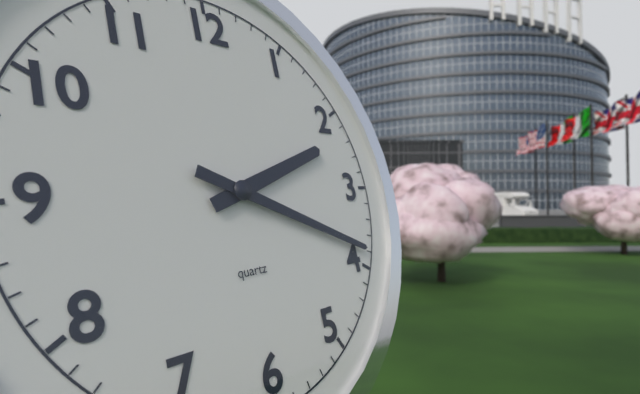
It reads 2:19
